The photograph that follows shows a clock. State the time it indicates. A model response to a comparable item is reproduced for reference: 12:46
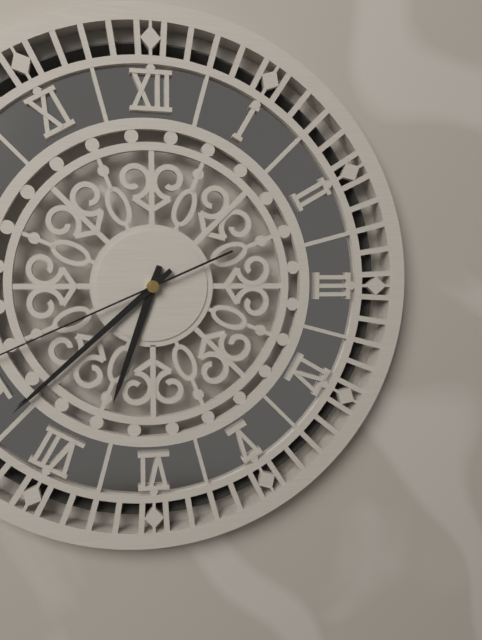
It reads 6:38
